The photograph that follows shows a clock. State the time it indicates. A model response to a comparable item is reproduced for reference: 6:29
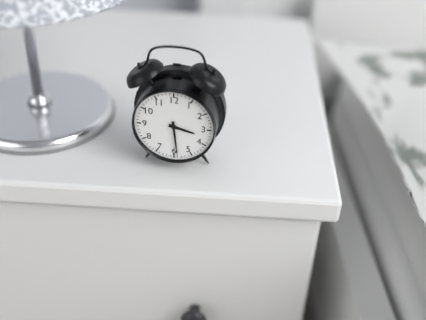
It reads 3:29
